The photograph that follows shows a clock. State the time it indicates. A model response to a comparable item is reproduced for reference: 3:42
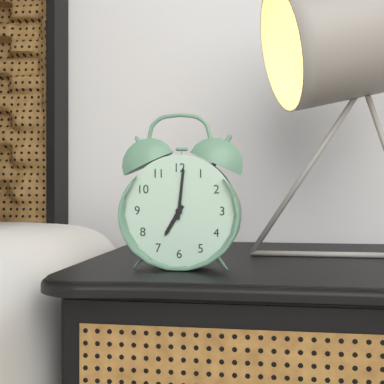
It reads 7:01
